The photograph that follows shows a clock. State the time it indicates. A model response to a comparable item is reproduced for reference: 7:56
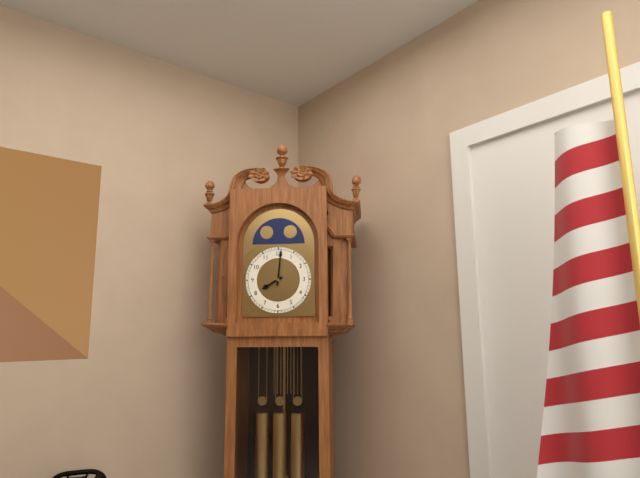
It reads 8:01
